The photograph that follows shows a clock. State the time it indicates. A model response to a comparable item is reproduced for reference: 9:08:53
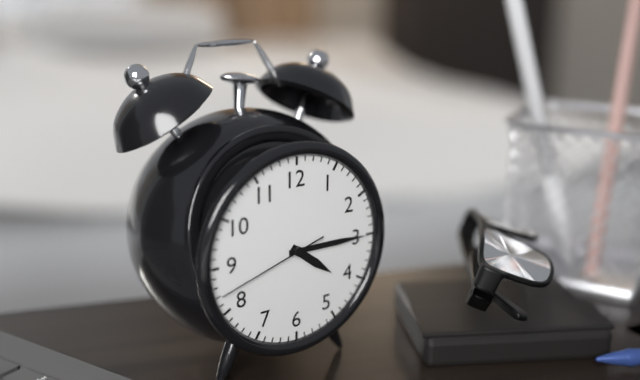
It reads 4:15:42
